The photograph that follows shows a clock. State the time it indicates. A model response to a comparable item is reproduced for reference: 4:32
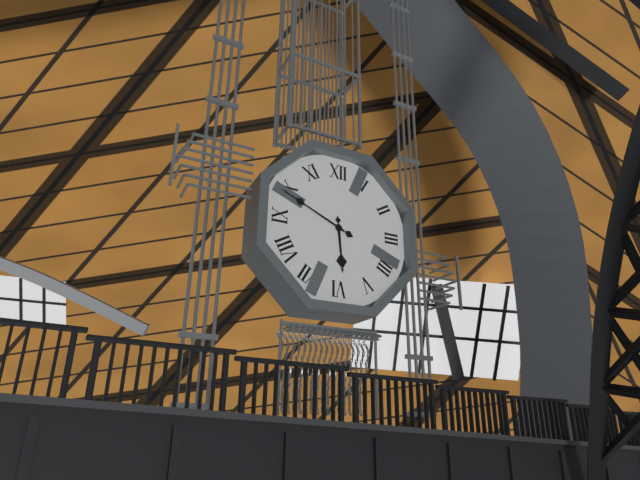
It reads 5:49
